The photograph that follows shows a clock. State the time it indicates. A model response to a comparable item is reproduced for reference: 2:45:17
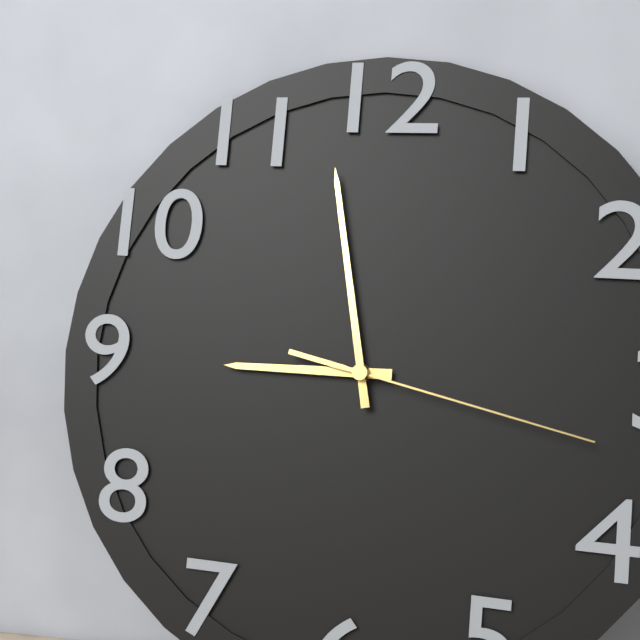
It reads 8:58:17
